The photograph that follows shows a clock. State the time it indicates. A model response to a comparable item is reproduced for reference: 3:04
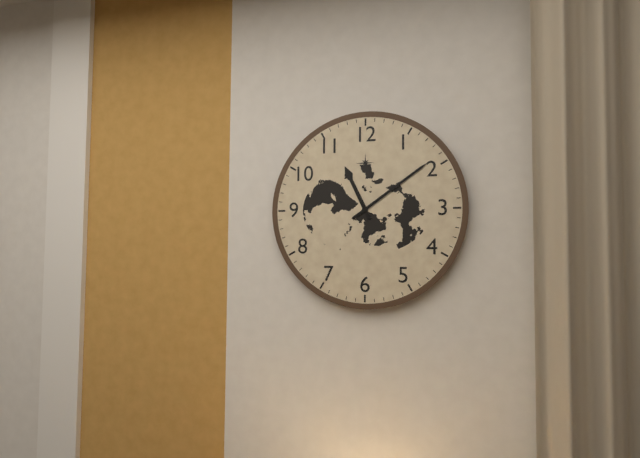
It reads 11:09
